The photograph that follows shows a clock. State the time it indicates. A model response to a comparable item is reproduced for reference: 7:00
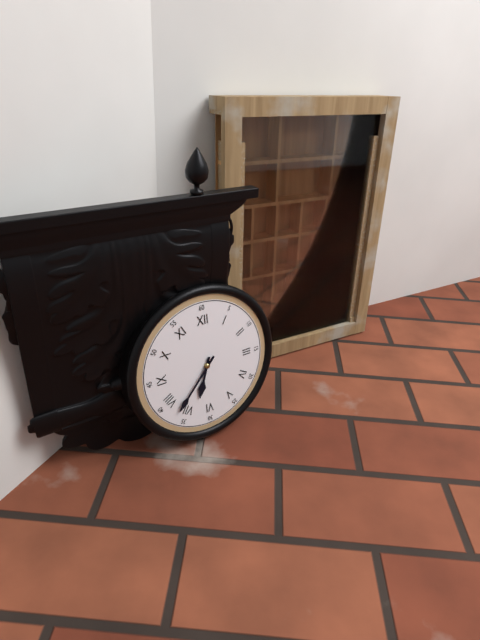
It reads 6:37
